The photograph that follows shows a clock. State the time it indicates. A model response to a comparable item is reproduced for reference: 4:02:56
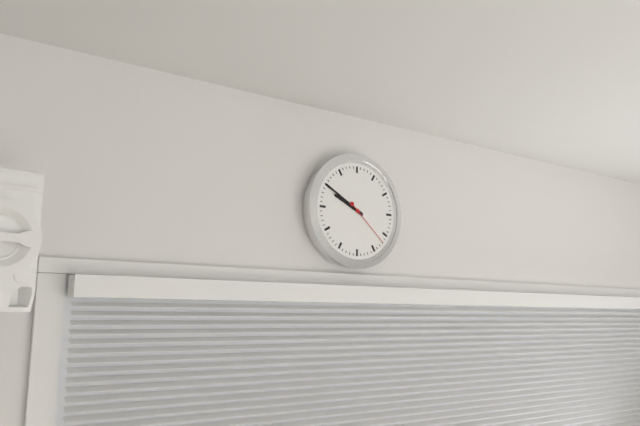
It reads 9:50:22
